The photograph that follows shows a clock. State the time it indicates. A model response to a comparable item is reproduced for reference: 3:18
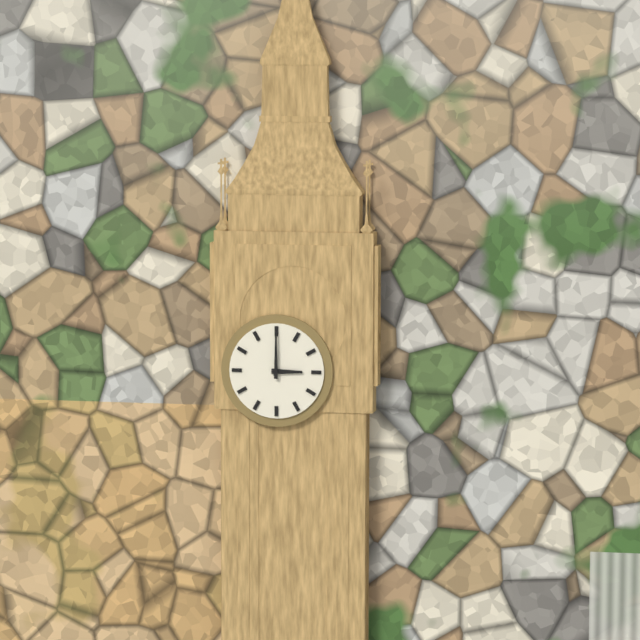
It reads 3:00
